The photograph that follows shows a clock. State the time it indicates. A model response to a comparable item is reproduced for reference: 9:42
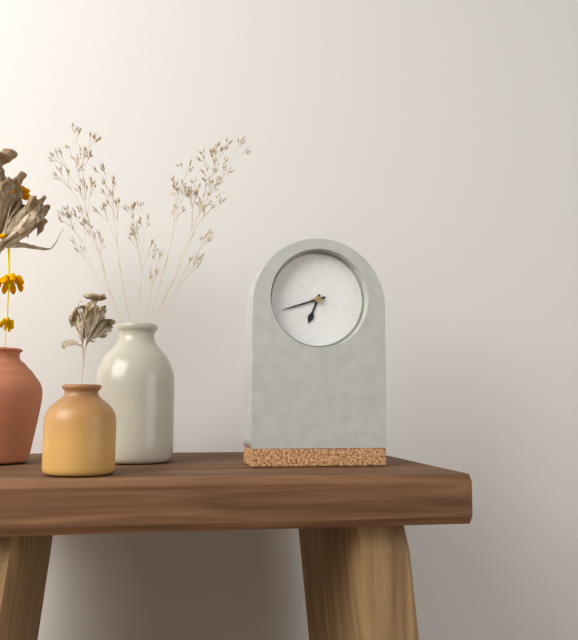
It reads 6:42
